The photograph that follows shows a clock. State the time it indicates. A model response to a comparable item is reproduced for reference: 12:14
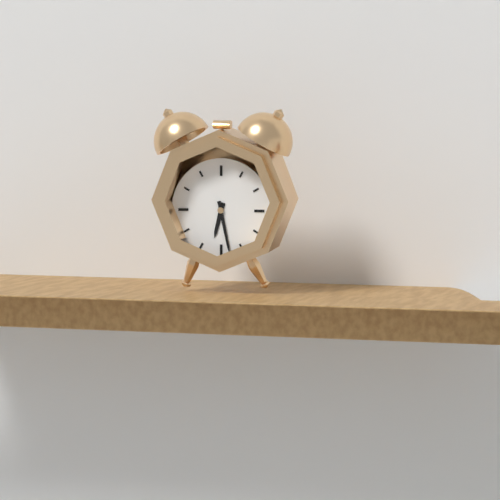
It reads 6:28
